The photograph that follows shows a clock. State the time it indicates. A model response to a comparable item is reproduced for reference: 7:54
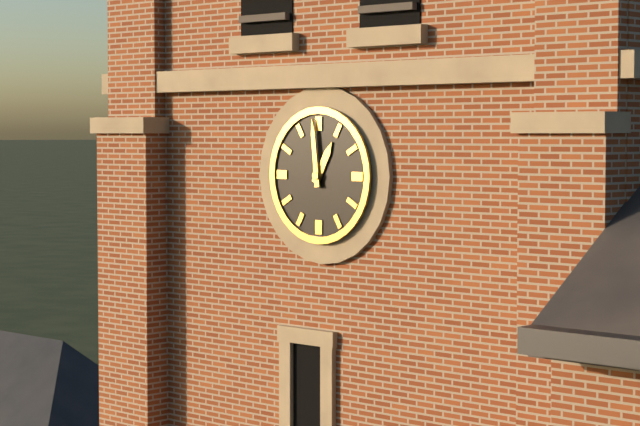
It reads 12:59
